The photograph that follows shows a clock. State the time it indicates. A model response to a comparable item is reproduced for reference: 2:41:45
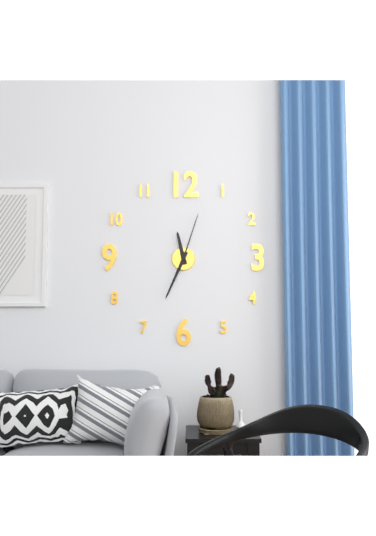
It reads 11:34:03
